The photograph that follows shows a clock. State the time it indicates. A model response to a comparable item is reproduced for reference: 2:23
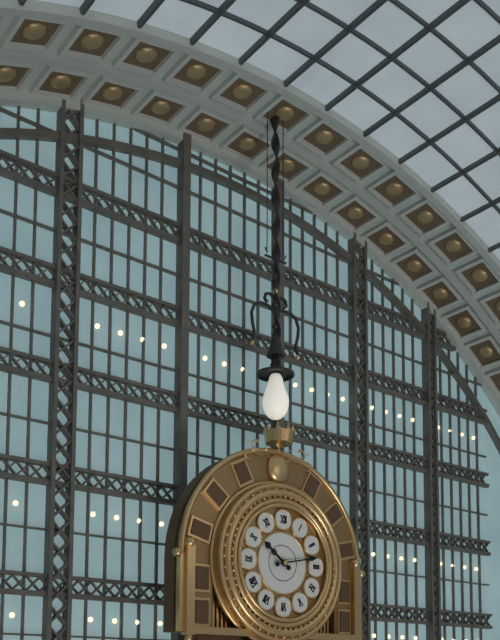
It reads 10:13
